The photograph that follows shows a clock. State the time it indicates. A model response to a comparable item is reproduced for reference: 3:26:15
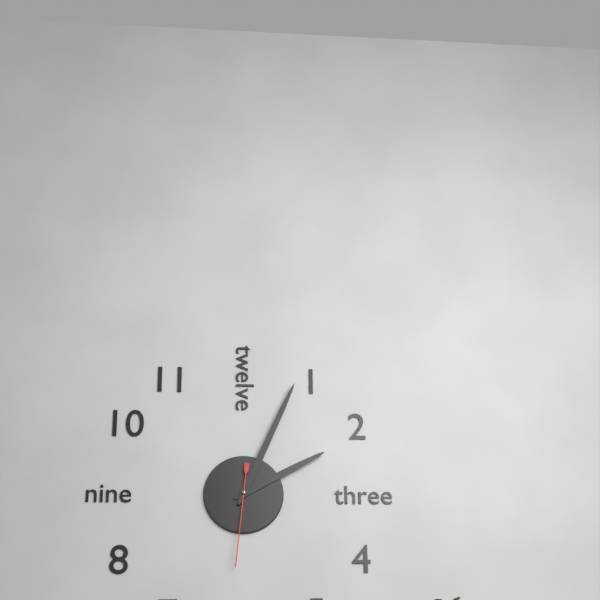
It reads 2:04:31
